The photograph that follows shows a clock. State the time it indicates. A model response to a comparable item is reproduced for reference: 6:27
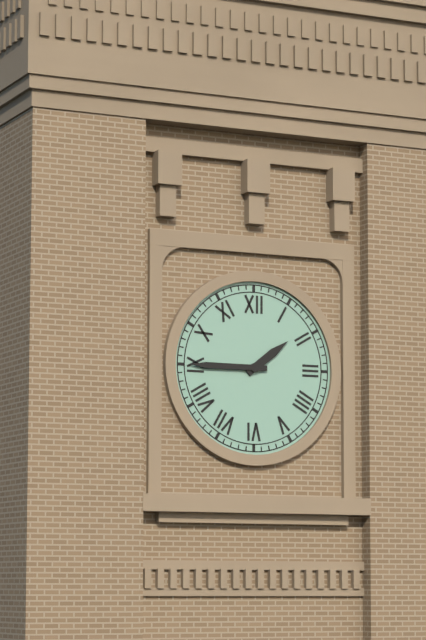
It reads 1:45
